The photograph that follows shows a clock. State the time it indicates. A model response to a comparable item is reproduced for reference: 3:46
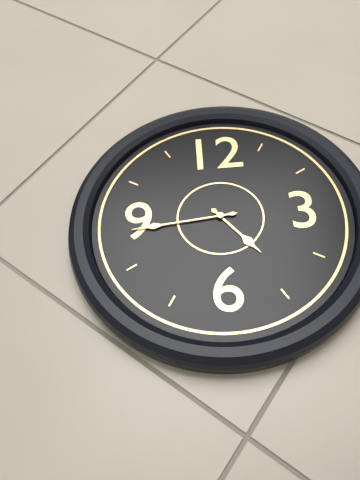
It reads 4:44
